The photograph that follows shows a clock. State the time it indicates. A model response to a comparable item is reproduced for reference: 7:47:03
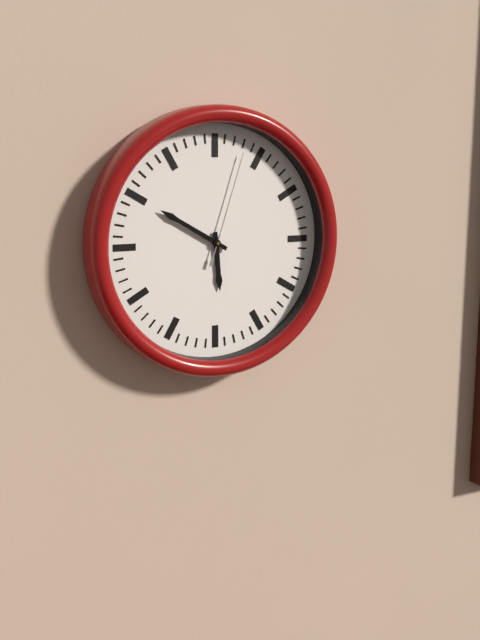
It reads 5:50:03
